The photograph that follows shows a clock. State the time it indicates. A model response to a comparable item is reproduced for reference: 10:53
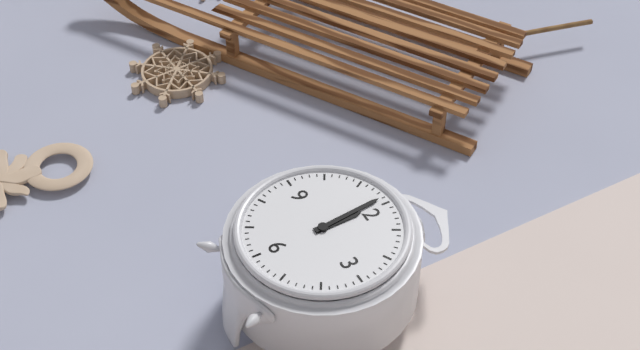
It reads 11:59
